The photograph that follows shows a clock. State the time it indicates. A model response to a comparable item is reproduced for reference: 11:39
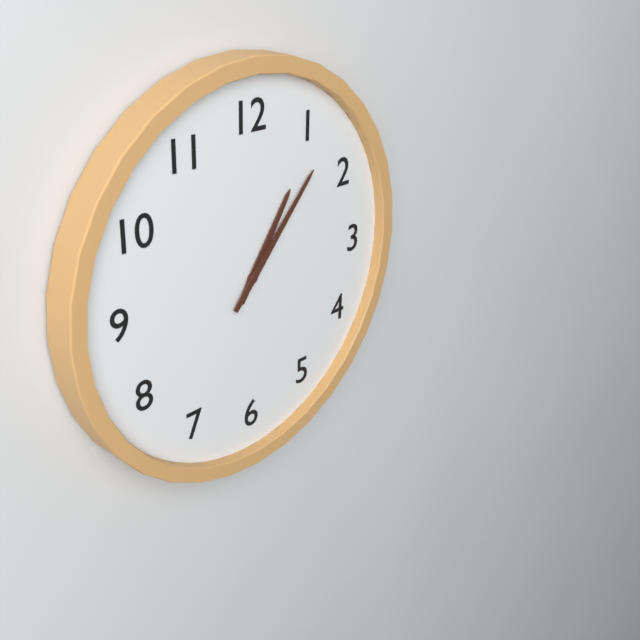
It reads 1:07
